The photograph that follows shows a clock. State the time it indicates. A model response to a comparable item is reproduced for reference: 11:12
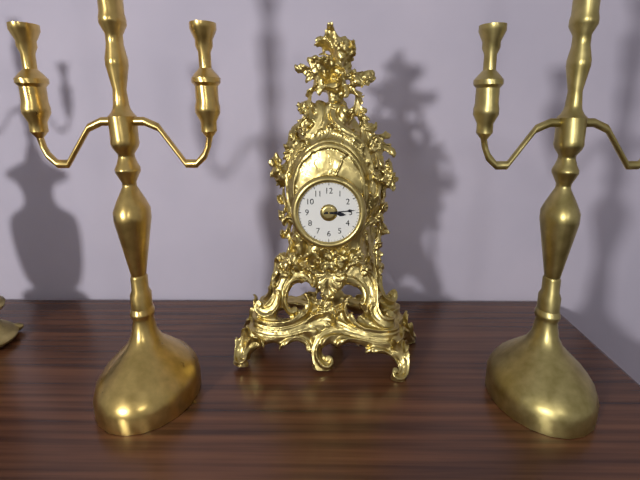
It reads 3:14
